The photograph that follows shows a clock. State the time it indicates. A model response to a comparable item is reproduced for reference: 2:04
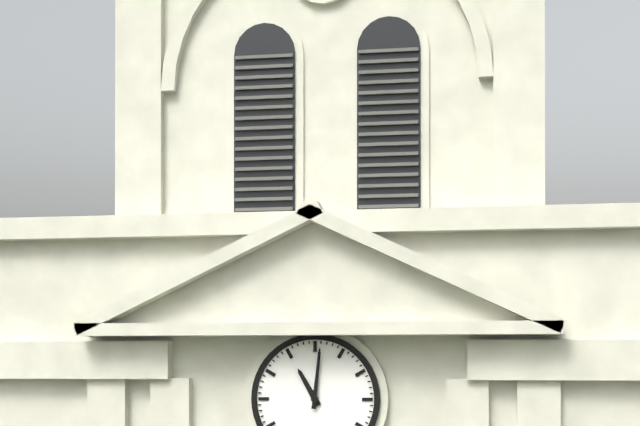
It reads 11:01
